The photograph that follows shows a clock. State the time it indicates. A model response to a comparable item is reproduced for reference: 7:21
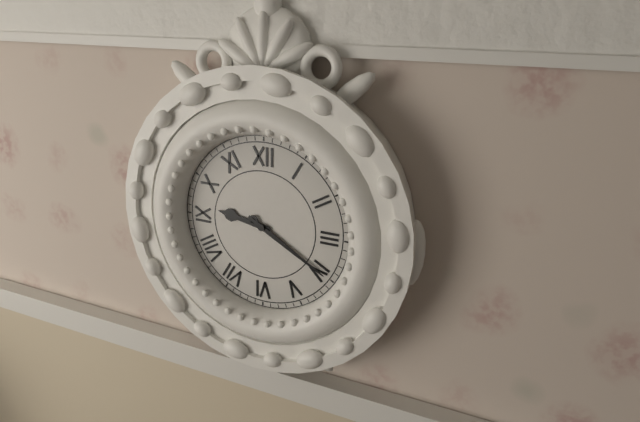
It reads 9:20
